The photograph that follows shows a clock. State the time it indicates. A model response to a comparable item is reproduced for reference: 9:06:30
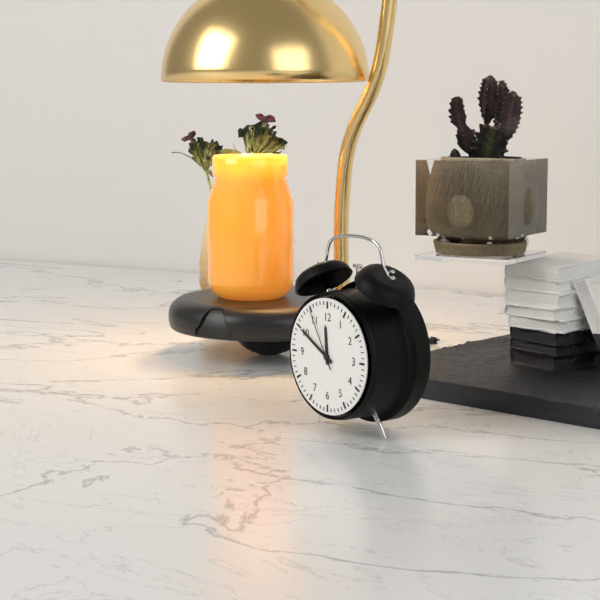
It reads 11:50:55
